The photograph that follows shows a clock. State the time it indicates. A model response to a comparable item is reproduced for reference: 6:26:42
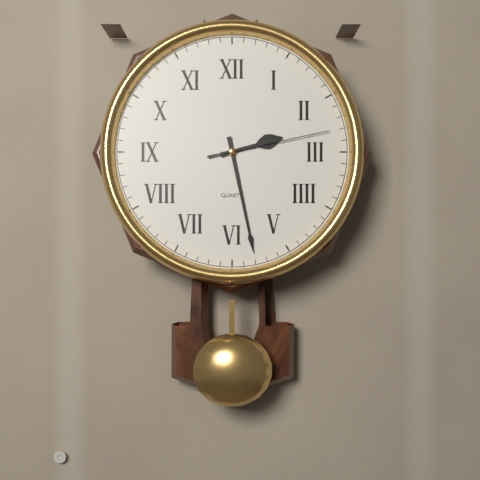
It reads 2:28:13
